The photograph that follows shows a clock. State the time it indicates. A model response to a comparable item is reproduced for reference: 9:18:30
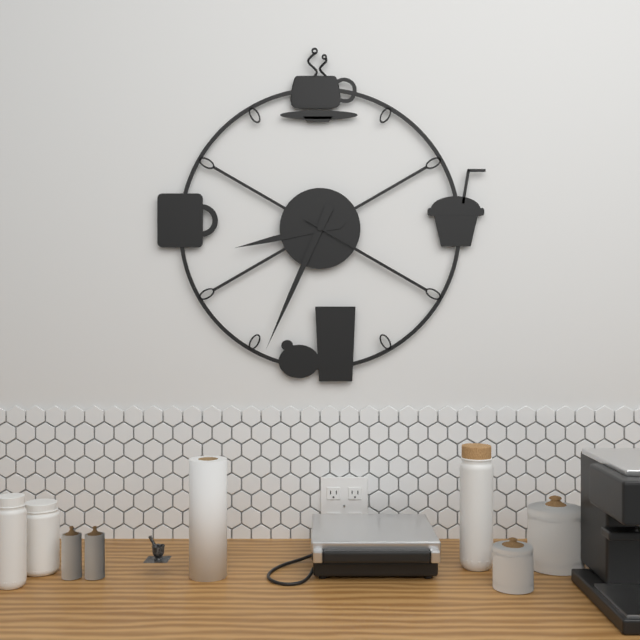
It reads 8:34:20
